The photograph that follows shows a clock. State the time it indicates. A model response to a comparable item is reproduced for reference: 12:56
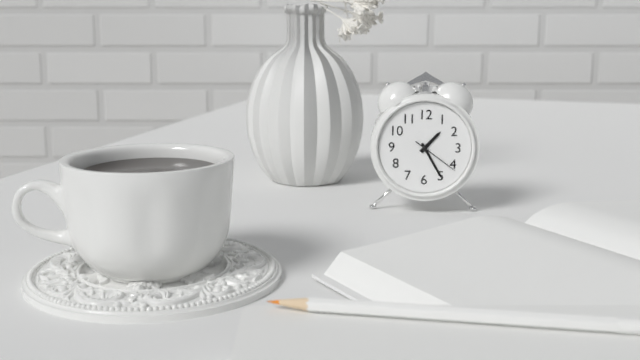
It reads 1:25
